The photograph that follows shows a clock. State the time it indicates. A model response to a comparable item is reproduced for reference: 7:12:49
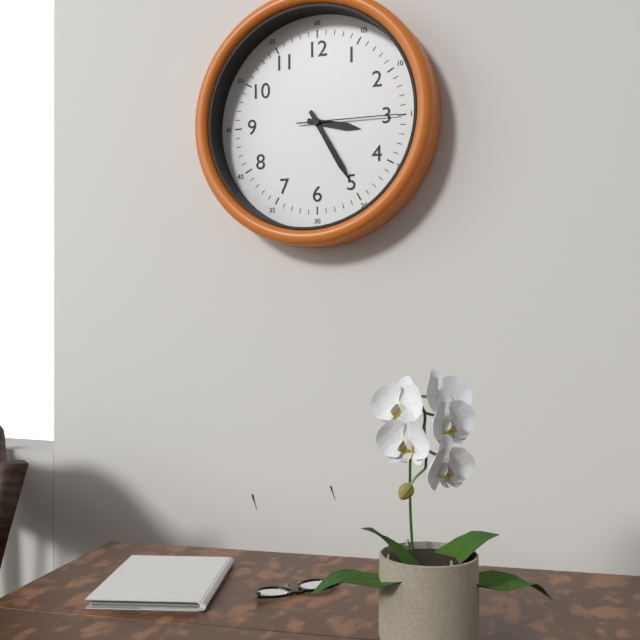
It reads 3:25:15
